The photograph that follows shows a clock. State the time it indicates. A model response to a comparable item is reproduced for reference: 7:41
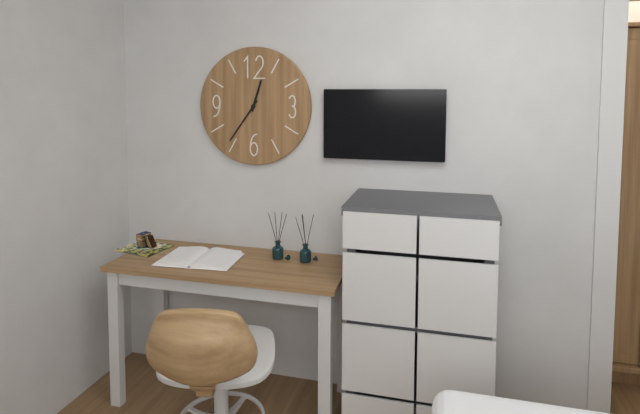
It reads 12:36
